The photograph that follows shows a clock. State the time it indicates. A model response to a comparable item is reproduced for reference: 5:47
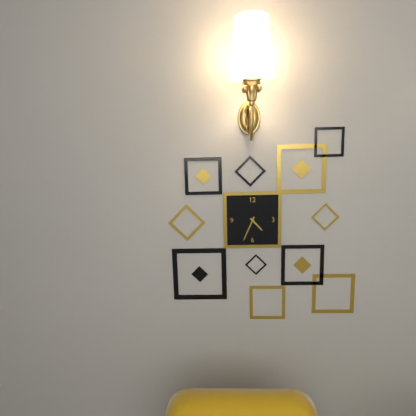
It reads 4:34
